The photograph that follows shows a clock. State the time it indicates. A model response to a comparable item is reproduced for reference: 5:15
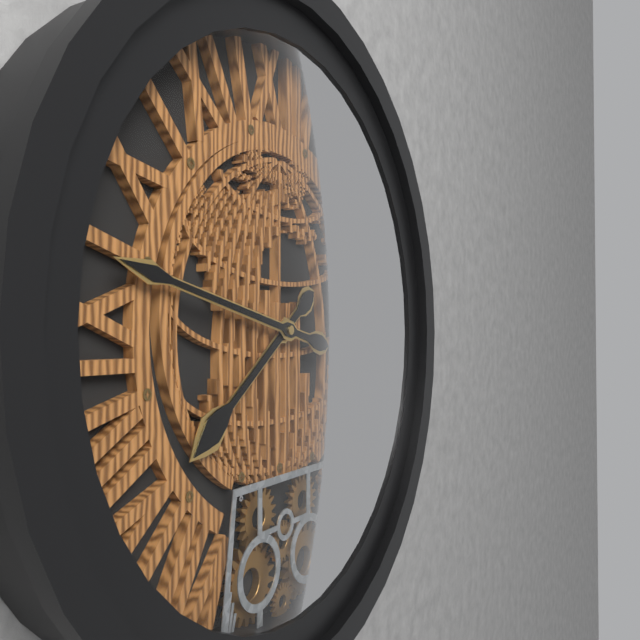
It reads 7:47
